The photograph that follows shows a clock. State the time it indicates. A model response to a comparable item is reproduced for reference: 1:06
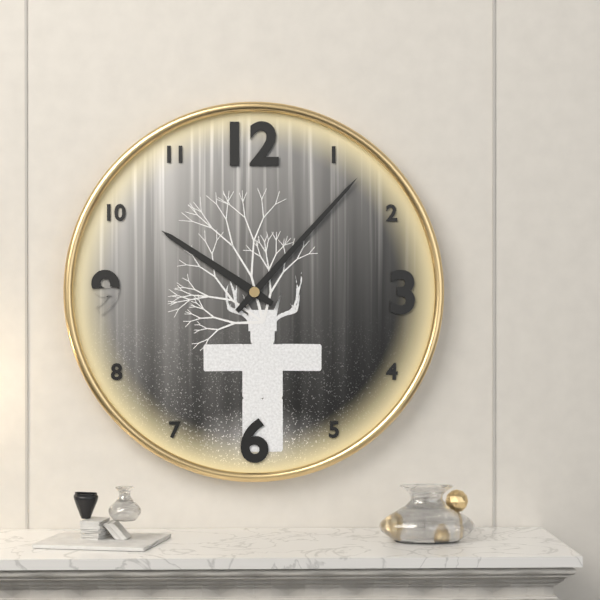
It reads 10:07
